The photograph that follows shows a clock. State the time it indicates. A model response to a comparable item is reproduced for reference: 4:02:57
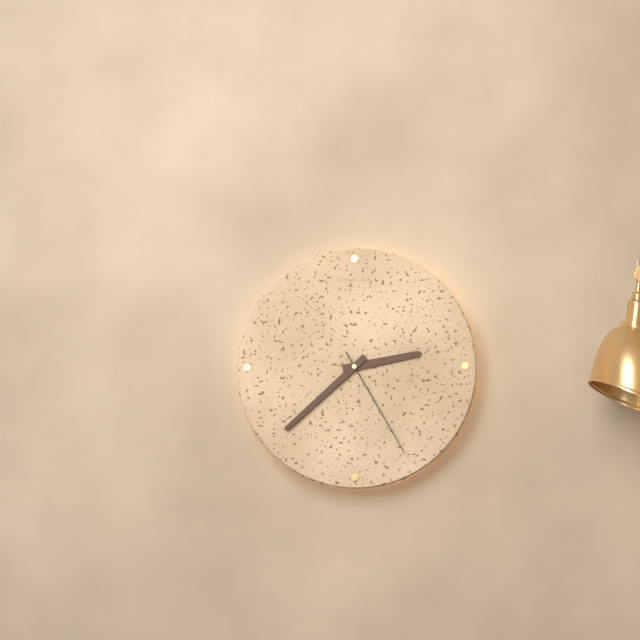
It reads 2:38:25
